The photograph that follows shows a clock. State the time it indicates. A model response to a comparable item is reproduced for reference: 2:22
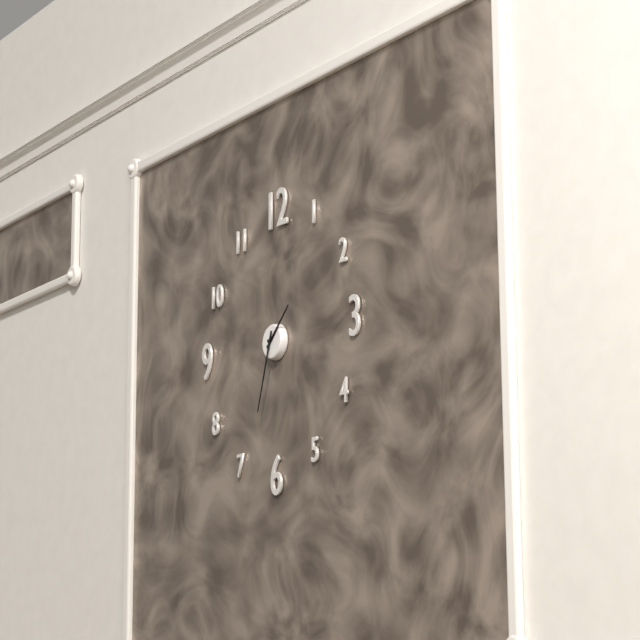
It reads 1:33
